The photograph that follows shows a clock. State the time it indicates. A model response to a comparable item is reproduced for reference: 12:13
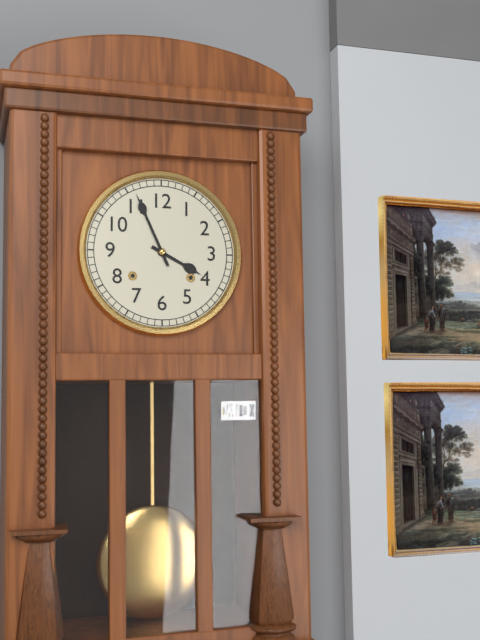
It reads 3:56
